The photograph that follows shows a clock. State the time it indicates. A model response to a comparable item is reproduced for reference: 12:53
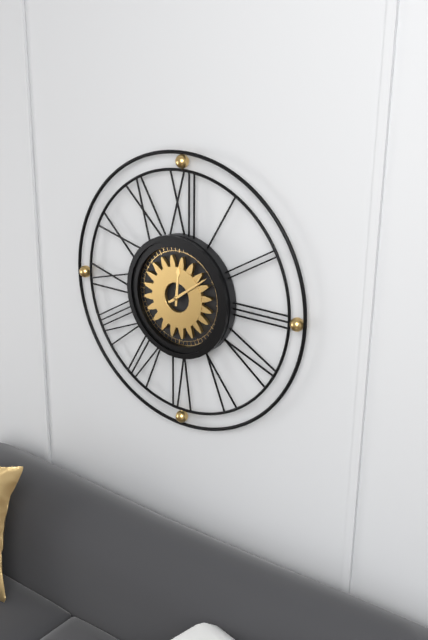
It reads 12:09
